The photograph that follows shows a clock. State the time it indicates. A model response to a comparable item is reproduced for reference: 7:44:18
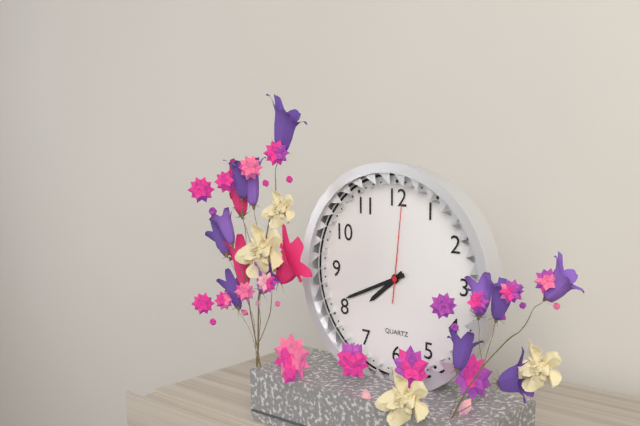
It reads 7:41:01
